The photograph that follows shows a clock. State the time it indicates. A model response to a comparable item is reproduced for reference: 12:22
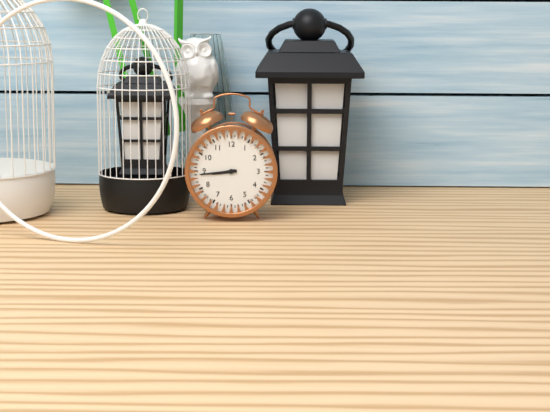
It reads 8:44
